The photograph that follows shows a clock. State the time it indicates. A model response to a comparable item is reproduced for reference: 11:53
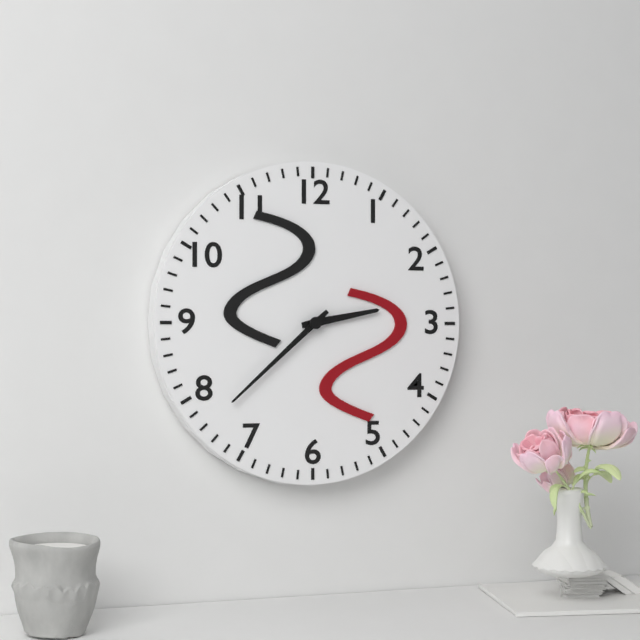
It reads 2:38
